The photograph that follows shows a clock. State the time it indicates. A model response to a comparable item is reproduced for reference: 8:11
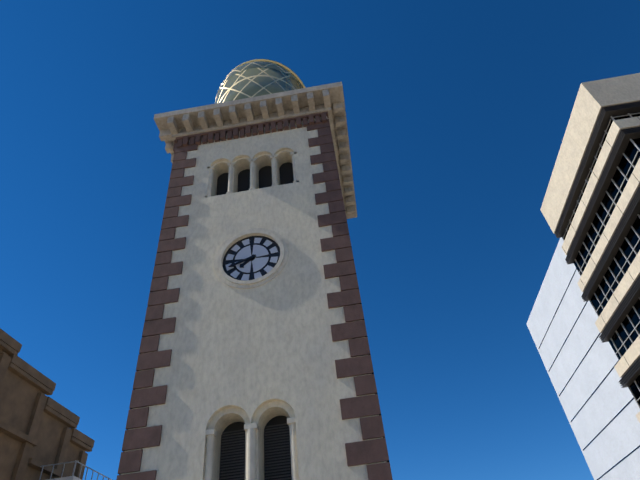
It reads 7:42
